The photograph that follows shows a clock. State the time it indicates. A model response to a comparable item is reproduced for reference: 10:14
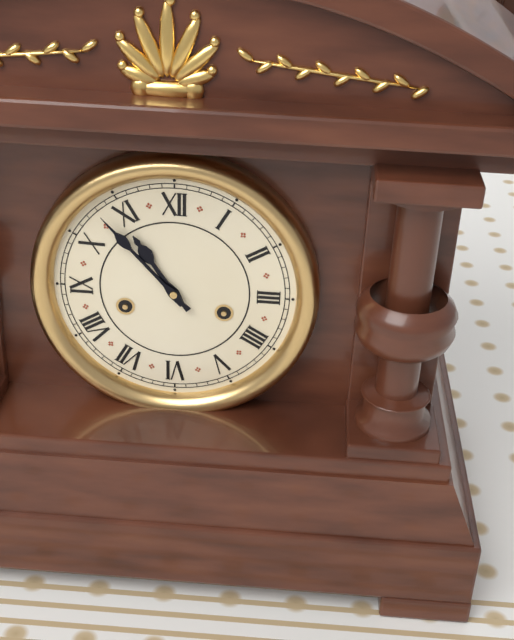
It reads 10:53
